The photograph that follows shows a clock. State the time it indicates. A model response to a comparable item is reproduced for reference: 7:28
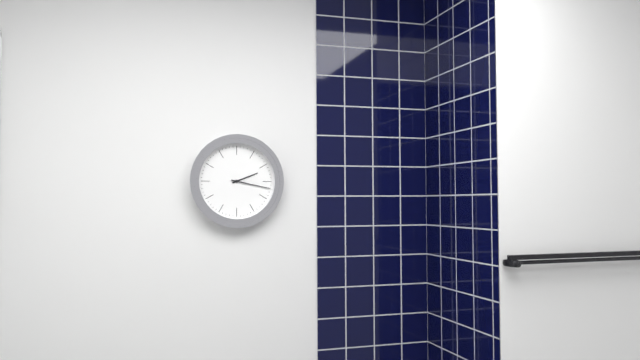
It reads 2:17
